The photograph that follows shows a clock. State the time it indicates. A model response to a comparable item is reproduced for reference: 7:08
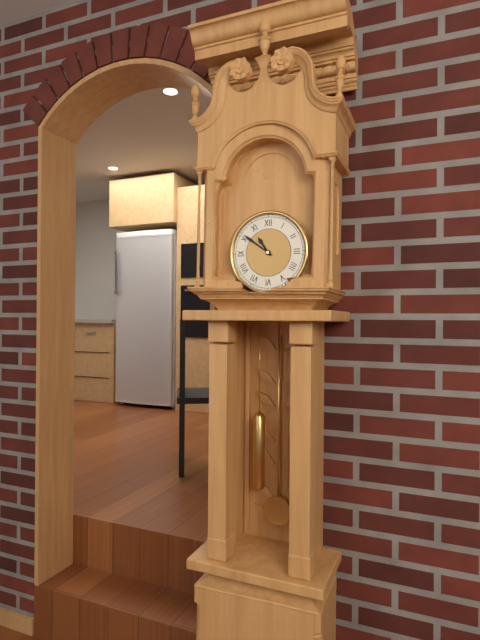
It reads 10:51
